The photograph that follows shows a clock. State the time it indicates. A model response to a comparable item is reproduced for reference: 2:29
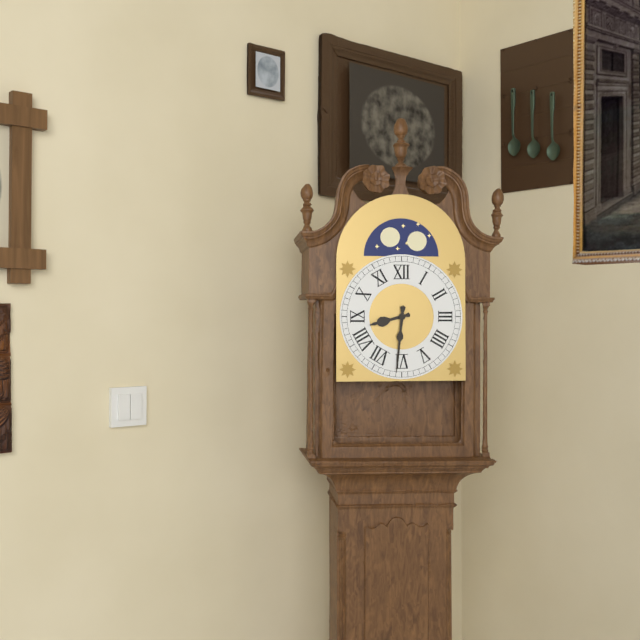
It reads 8:31
